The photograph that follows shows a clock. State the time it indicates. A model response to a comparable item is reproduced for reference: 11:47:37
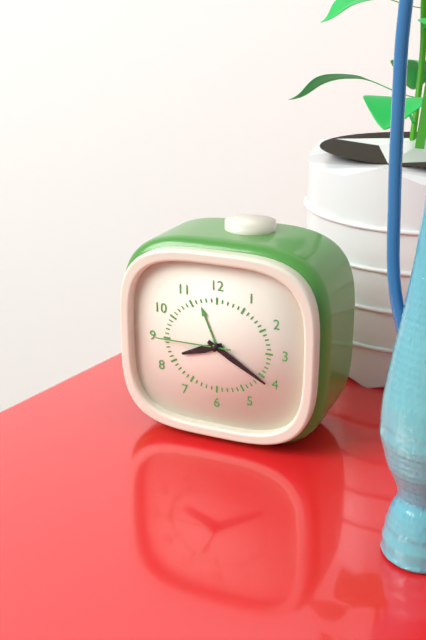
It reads 8:20:45
